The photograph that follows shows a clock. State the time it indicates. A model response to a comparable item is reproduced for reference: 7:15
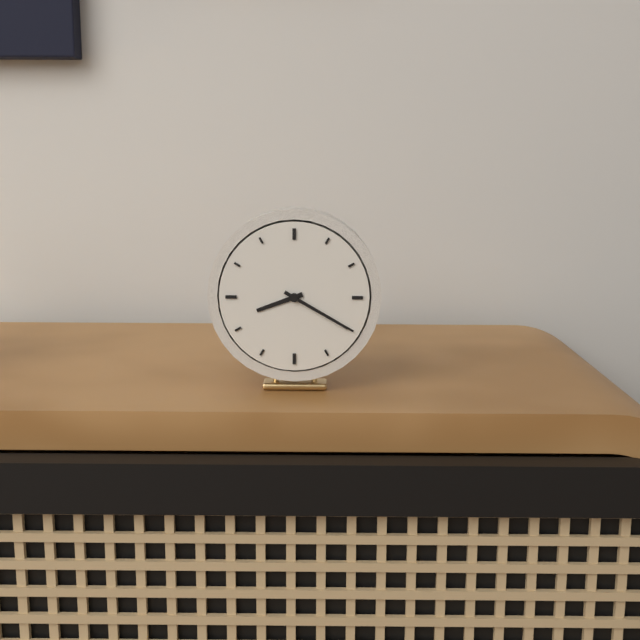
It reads 8:20
